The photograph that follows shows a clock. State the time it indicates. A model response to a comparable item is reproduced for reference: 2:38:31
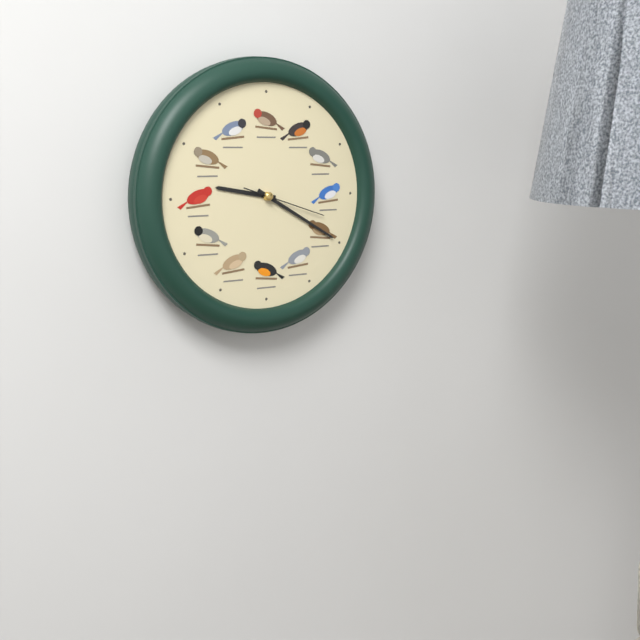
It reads 9:20:18
